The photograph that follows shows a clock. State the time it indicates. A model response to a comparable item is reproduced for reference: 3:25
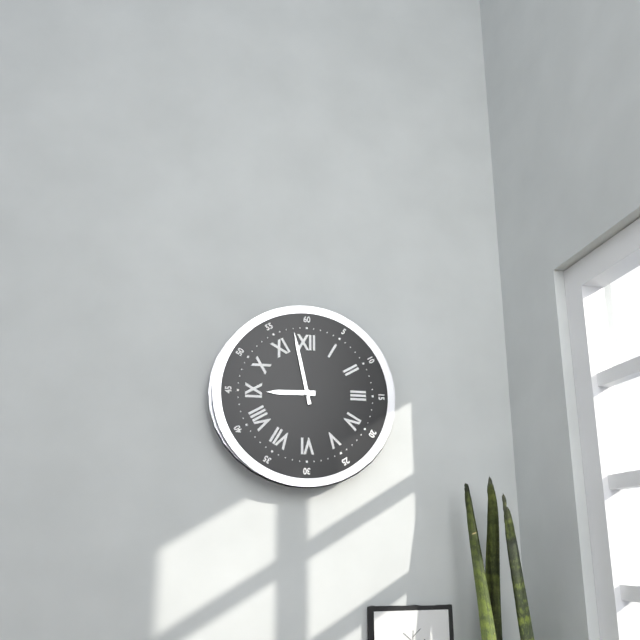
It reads 8:58
